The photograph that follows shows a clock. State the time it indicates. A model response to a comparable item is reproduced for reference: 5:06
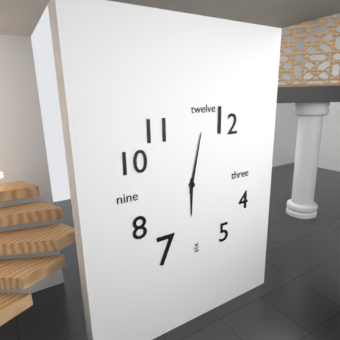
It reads 6:02
